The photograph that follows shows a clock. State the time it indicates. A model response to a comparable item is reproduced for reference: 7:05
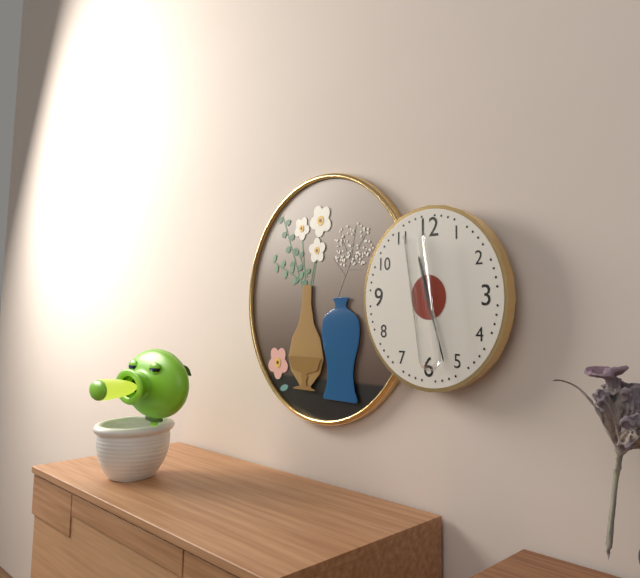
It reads 11:27
